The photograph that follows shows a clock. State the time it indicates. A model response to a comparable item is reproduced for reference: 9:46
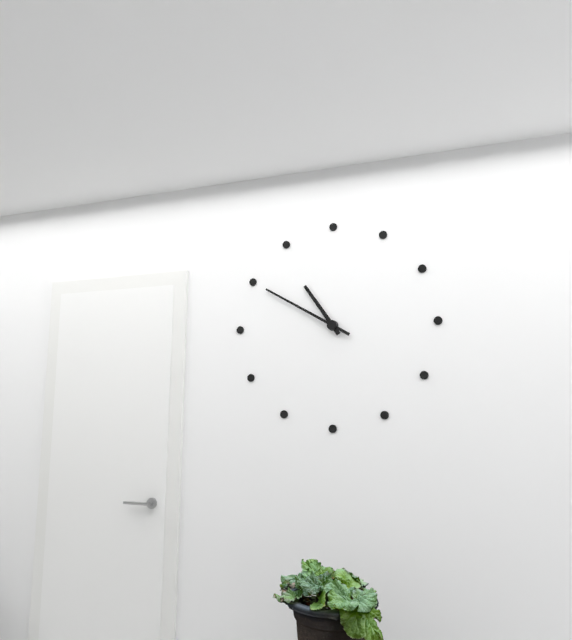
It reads 10:50
